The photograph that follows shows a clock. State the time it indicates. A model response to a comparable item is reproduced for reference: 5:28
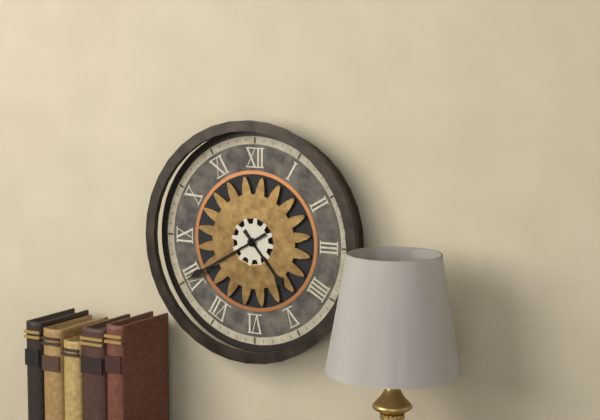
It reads 4:40
